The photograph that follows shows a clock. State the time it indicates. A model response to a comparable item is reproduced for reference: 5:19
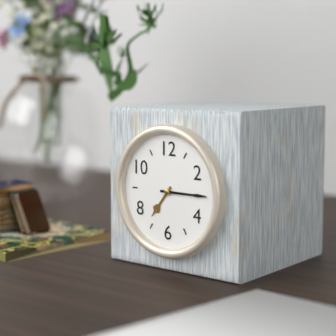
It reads 7:15
